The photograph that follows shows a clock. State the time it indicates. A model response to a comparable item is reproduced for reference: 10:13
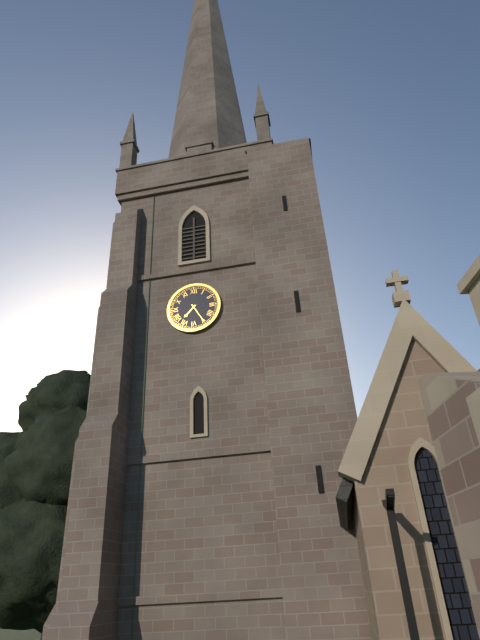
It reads 7:25
